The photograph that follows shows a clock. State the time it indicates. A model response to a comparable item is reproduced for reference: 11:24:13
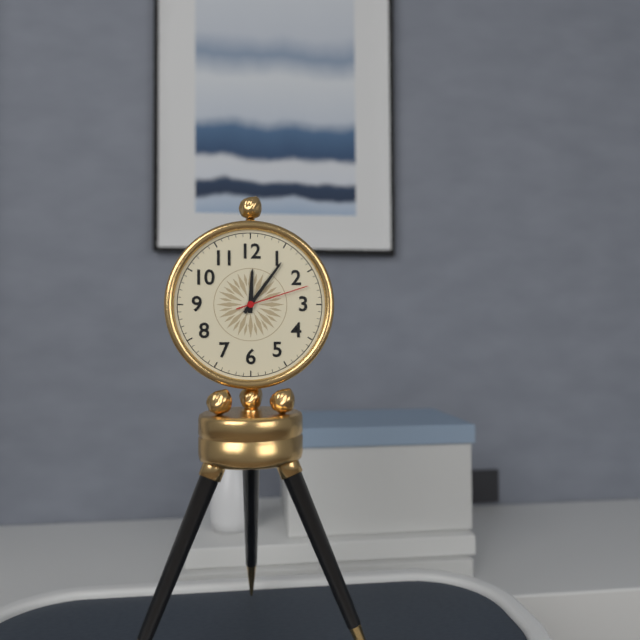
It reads 12:06:12
